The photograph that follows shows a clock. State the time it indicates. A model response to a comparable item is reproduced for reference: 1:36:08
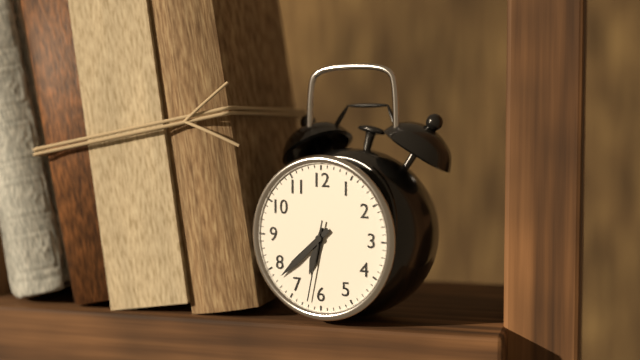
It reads 6:38:32
